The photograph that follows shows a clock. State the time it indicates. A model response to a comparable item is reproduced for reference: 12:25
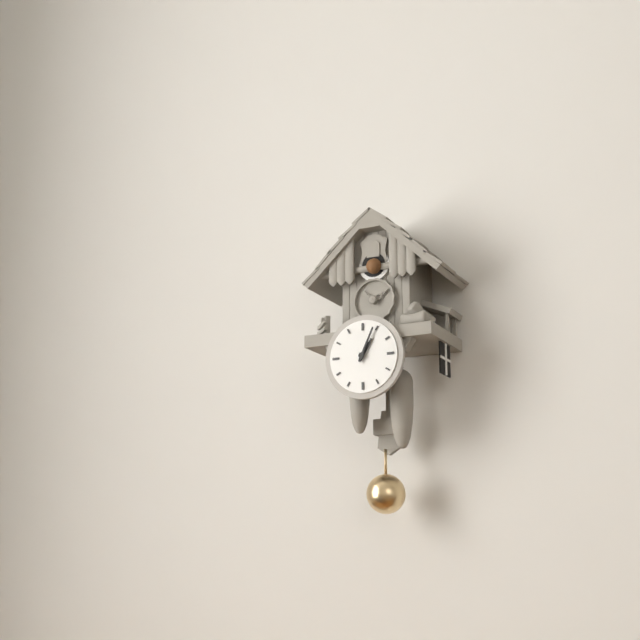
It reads 1:04
